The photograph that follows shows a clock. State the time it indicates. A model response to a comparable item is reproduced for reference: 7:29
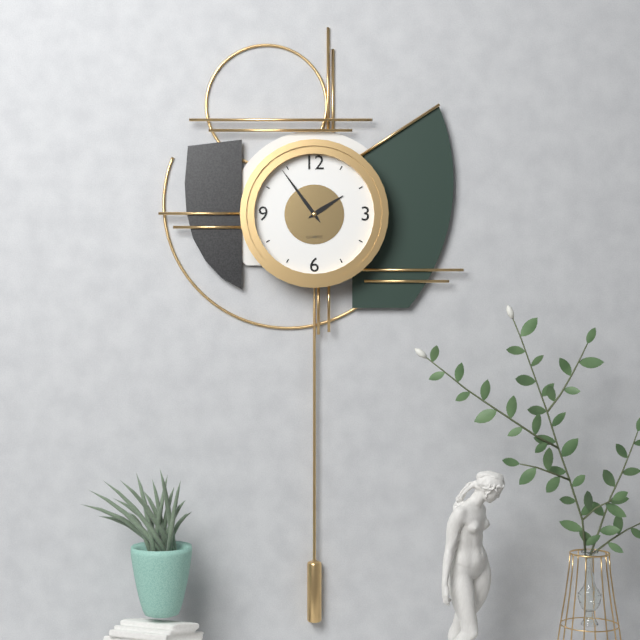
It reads 1:54
